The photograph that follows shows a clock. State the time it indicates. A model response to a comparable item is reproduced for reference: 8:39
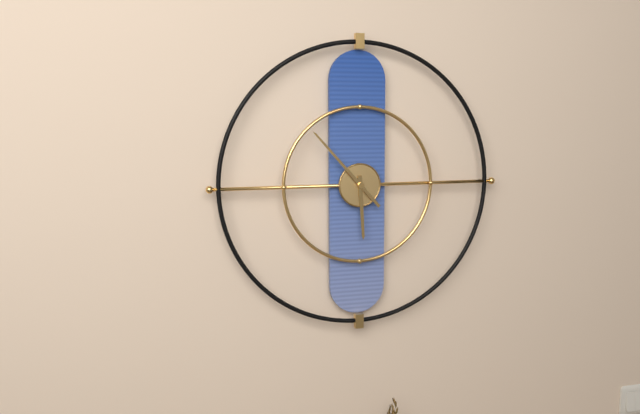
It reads 5:53
